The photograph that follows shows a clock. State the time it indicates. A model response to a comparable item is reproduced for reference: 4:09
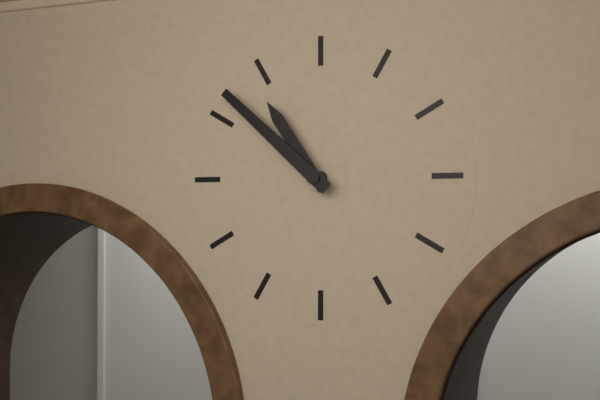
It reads 10:52
